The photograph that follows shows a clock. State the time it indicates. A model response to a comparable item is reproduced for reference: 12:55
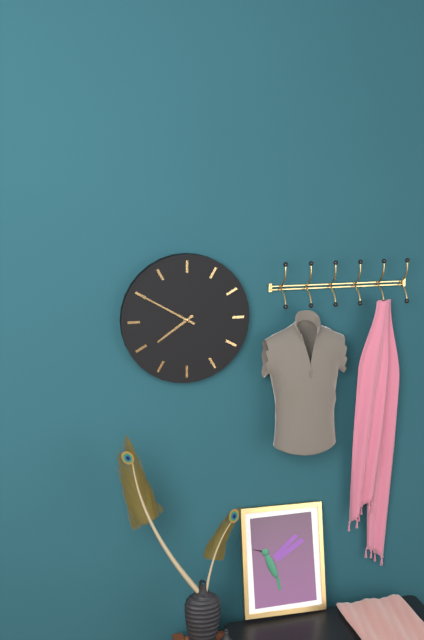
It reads 7:50
